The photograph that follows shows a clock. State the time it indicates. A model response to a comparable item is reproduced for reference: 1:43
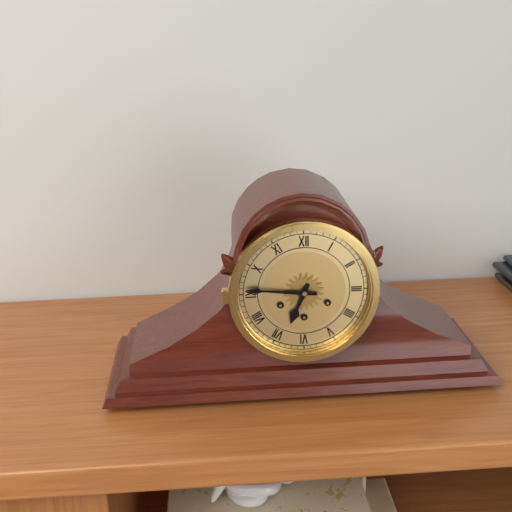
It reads 6:46
